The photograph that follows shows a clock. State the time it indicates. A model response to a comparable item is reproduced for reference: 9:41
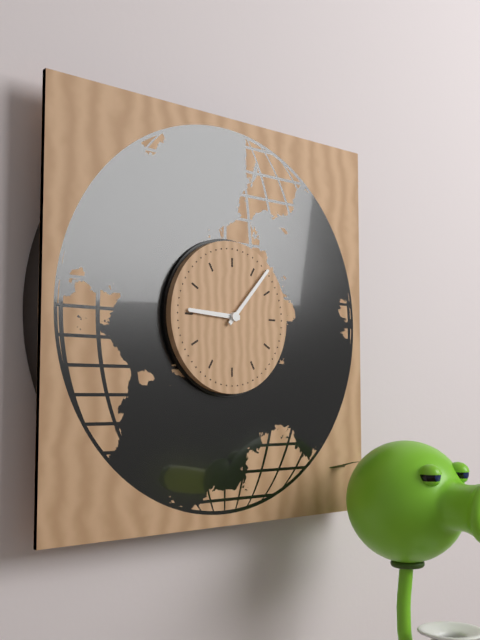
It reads 9:07
